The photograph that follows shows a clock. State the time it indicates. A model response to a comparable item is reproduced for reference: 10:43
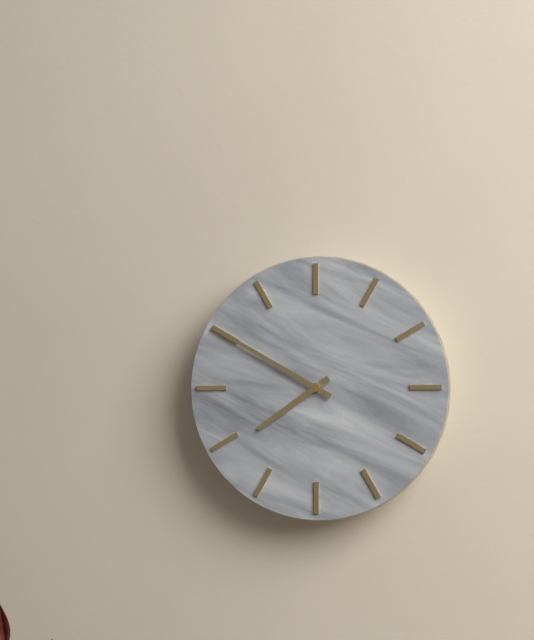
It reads 7:50
